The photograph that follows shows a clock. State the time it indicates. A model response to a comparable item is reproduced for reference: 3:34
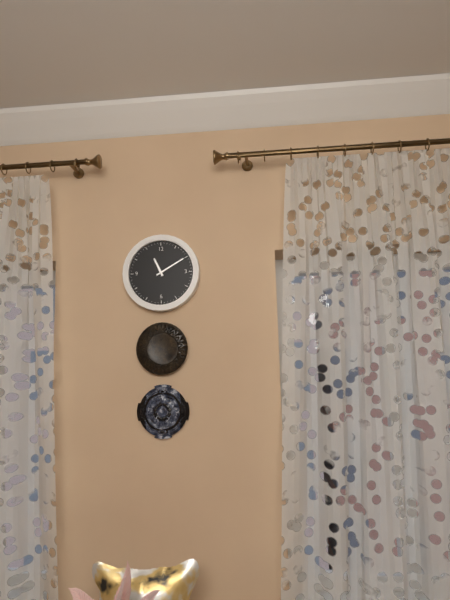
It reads 11:10
